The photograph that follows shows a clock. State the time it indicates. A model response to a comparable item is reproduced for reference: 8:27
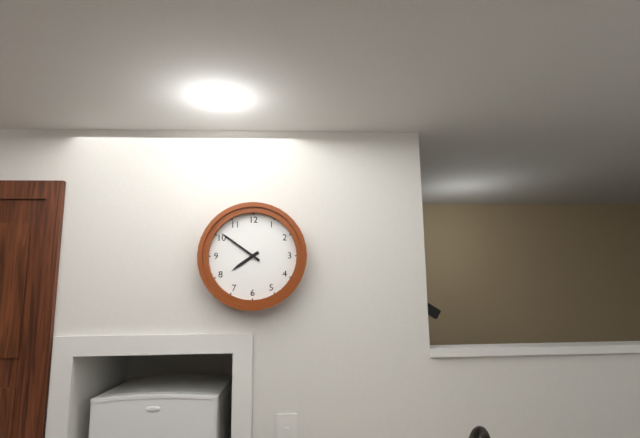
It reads 7:51
